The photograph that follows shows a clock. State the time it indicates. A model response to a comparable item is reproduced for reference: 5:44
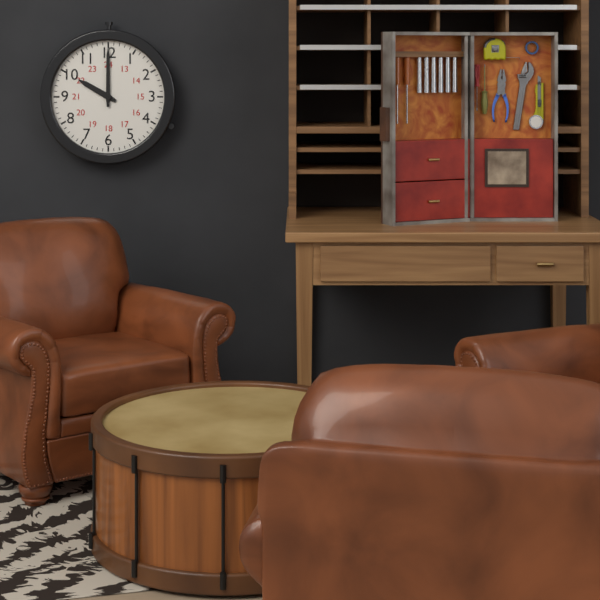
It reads 10:00
